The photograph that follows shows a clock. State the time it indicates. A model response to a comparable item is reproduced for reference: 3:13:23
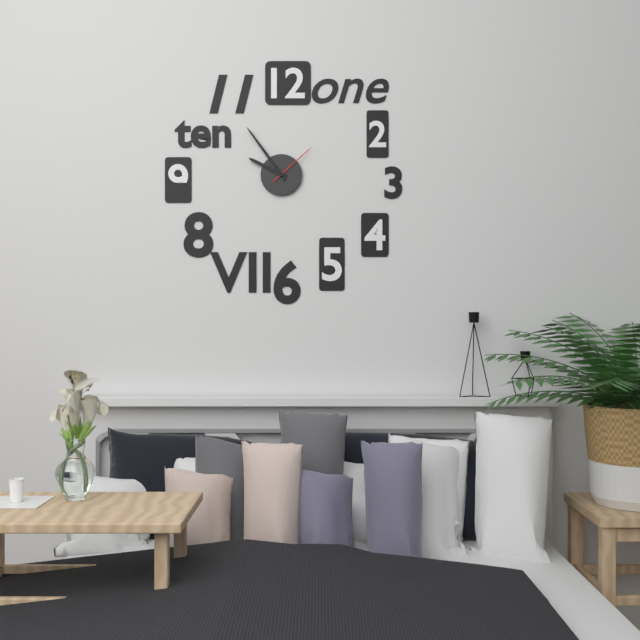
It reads 9:54:08
